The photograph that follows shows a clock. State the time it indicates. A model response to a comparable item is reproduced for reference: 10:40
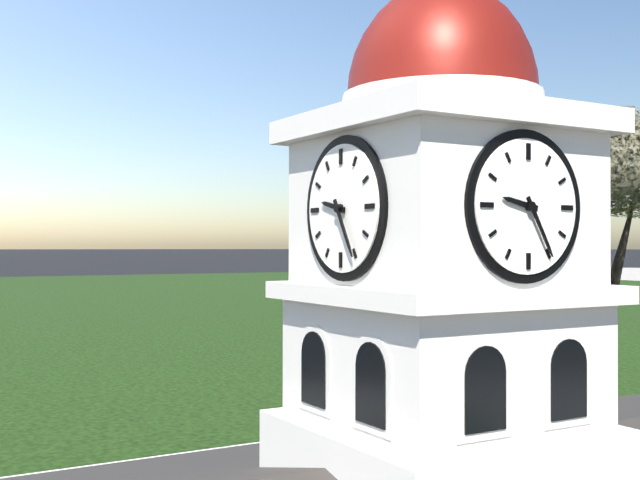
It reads 9:25
